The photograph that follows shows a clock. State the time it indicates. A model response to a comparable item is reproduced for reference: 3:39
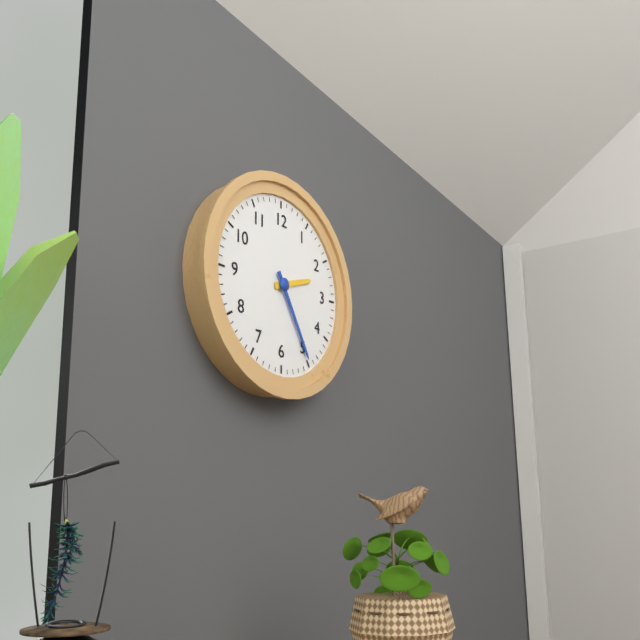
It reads 2:25
